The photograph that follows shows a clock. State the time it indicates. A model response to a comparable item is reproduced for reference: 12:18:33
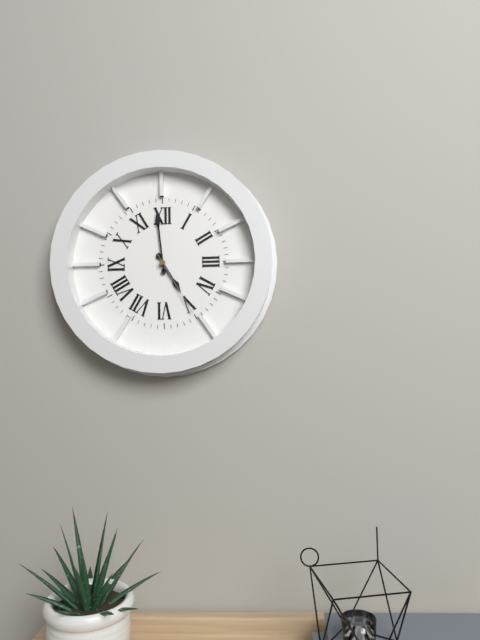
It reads 4:59:25
